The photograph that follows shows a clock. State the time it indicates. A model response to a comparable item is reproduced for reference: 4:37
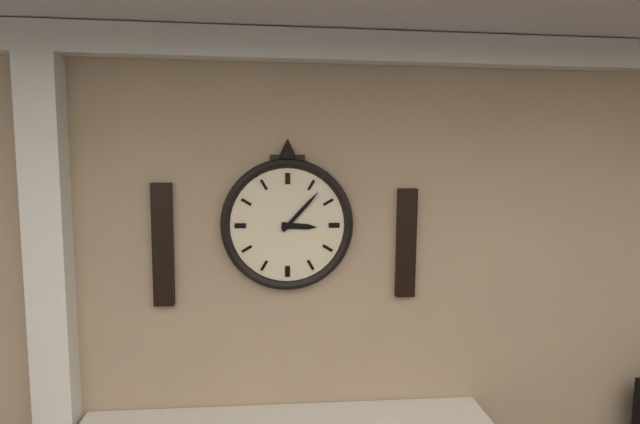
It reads 3:07
